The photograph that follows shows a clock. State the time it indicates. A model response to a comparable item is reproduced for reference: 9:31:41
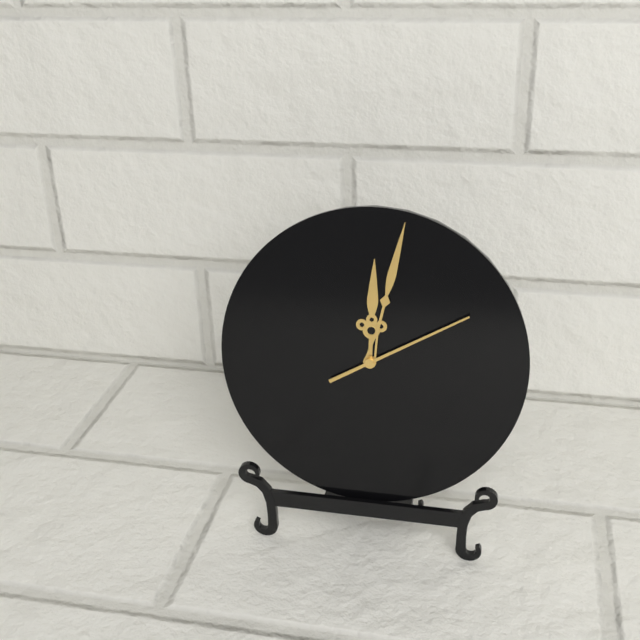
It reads 12:02:10
